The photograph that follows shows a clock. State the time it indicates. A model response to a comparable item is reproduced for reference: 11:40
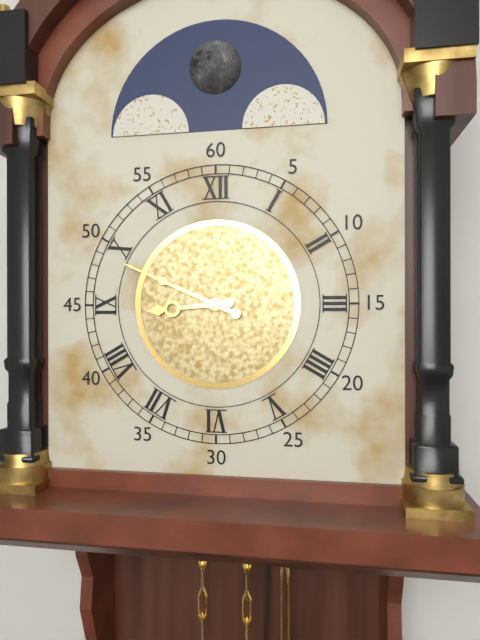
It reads 8:49
